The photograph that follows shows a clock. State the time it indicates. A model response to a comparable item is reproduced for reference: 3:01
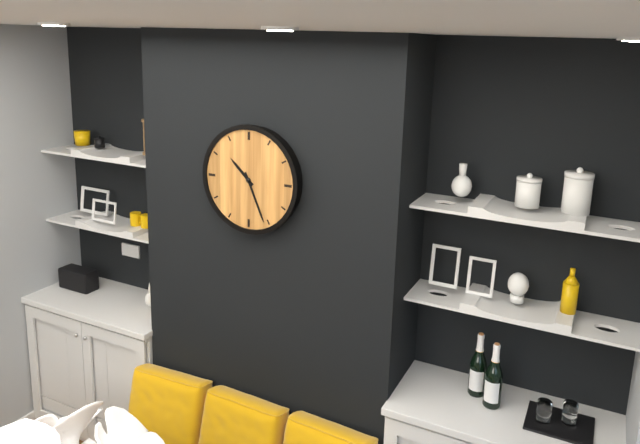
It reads 10:26
